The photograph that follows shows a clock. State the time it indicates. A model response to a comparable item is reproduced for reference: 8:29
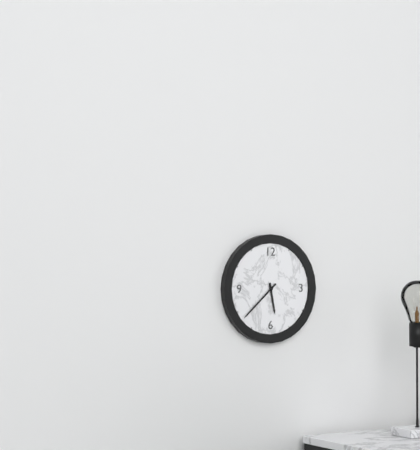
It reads 5:38
